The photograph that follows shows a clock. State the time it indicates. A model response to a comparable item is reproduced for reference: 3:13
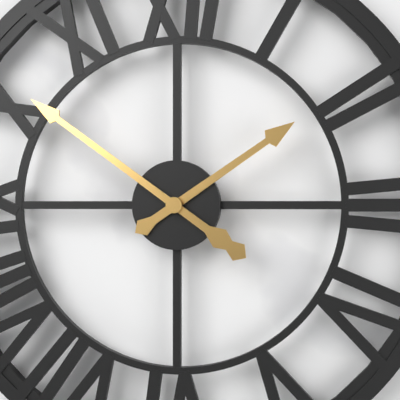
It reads 1:51
